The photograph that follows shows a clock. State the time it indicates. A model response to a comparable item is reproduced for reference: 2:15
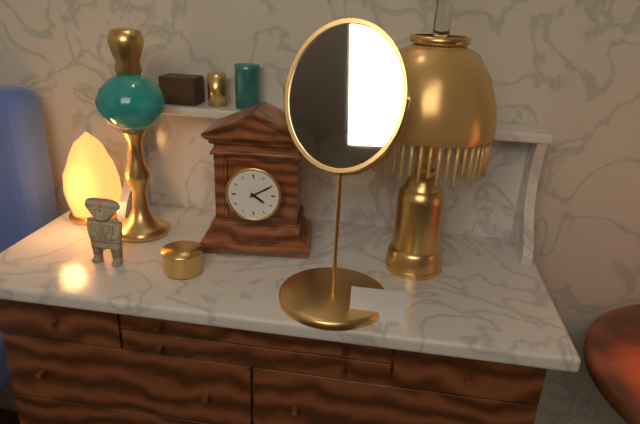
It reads 4:10
